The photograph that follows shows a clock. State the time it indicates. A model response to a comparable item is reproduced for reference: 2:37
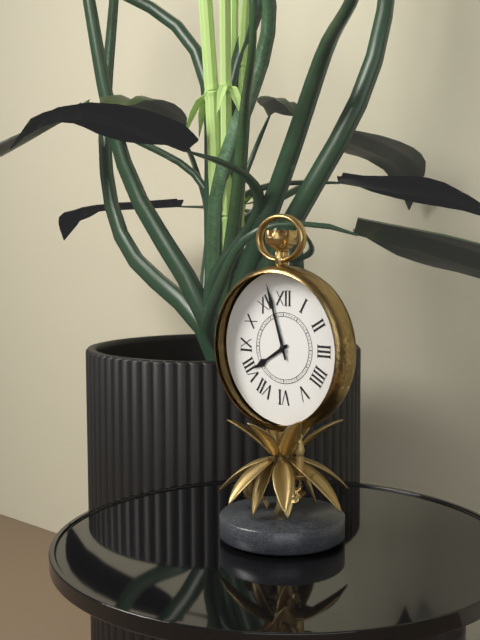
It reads 7:57
